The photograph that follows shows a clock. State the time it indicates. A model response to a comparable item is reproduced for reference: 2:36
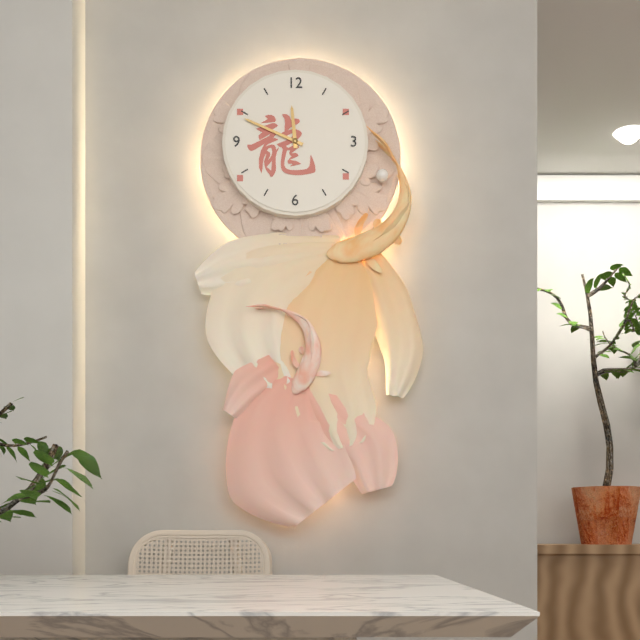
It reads 11:49
